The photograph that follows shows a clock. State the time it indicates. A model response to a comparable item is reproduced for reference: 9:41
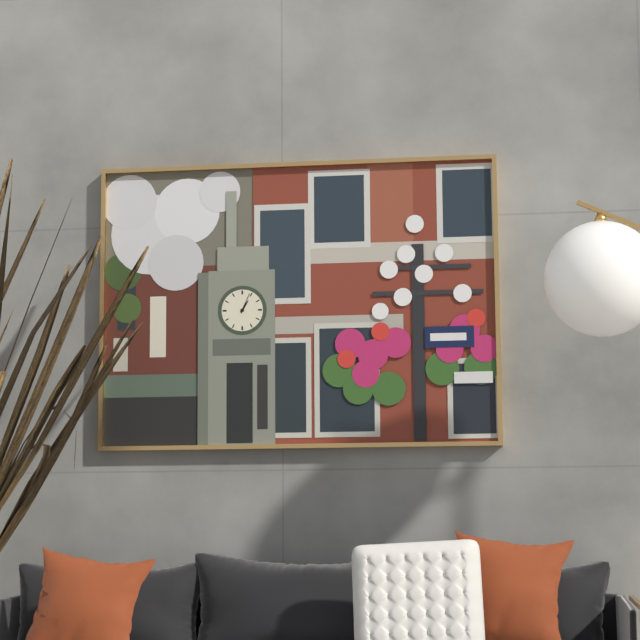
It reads 1:04
